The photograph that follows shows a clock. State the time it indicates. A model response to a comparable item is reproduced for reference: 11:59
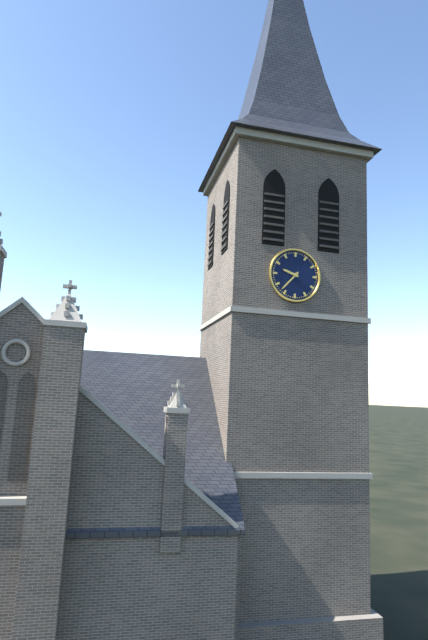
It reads 9:37
